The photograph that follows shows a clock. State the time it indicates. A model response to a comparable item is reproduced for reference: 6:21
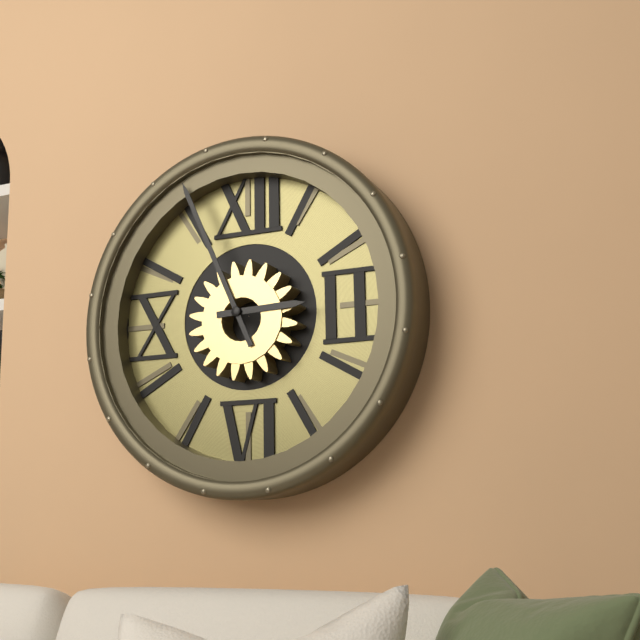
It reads 2:56
